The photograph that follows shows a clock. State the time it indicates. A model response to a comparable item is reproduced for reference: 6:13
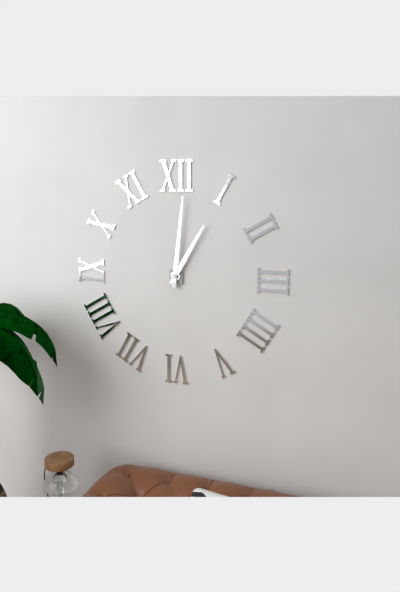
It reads 1:01
